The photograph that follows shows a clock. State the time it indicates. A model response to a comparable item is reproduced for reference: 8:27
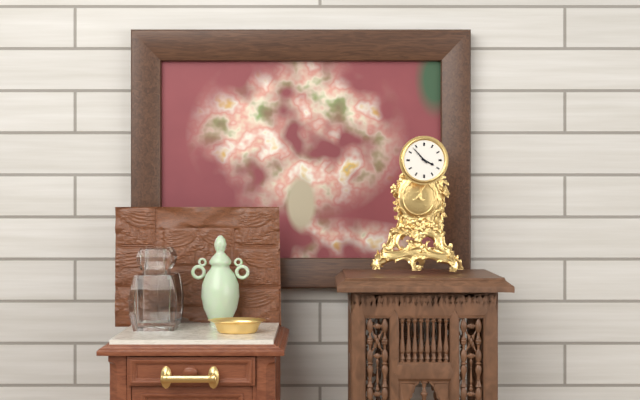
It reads 3:53
